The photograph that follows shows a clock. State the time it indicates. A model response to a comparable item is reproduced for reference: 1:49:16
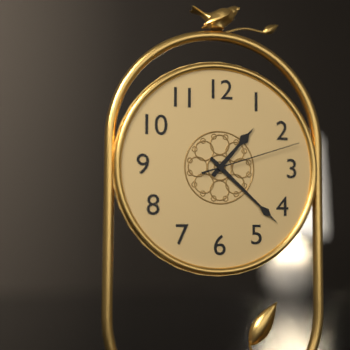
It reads 1:22:12
